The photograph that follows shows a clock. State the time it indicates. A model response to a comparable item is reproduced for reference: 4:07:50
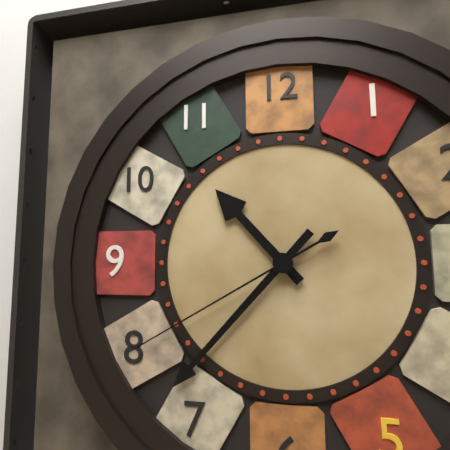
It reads 10:37:40
